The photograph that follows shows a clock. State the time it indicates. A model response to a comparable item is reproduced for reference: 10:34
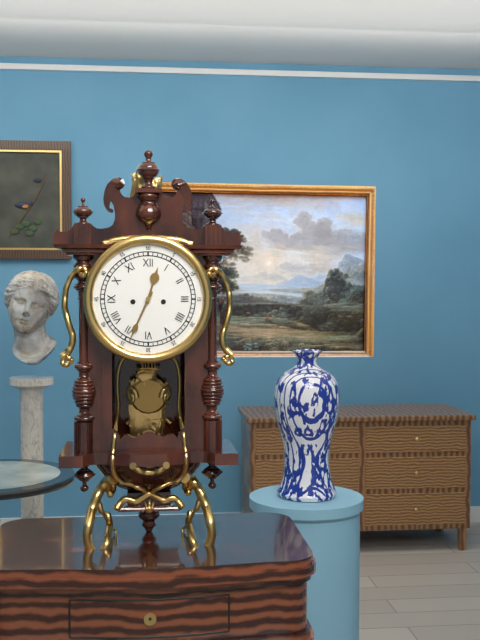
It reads 12:34
